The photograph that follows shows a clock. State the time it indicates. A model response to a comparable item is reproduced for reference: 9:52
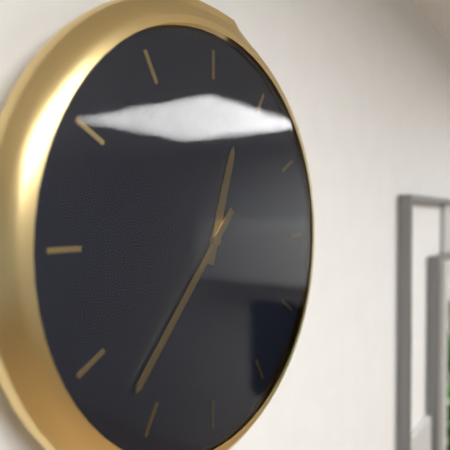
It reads 12:37
